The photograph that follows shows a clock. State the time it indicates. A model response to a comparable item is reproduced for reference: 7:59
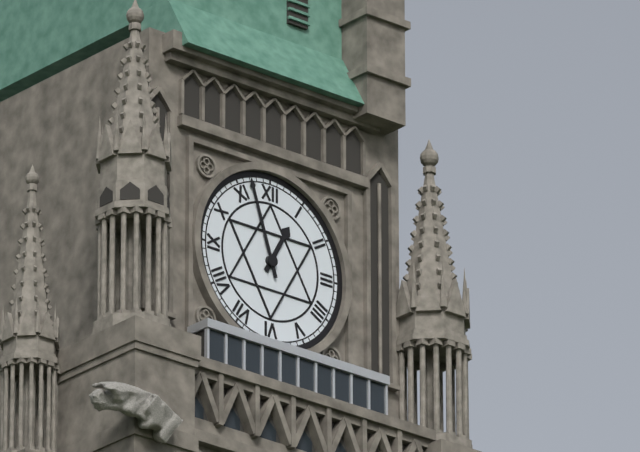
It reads 12:57
